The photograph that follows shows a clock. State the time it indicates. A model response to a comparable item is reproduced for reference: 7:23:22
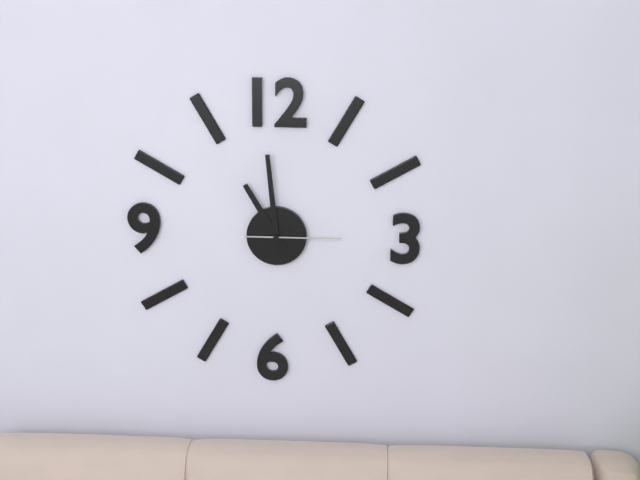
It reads 10:59:15
